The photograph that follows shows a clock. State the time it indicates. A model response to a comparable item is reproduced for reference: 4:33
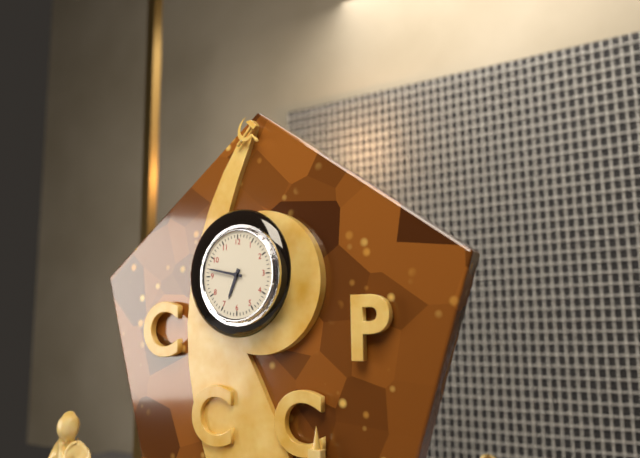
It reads 6:47
